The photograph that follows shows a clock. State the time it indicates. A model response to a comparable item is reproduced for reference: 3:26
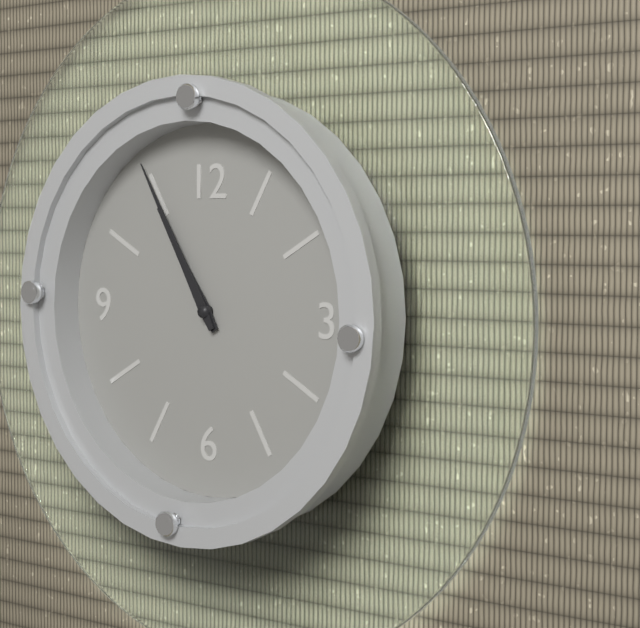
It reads 10:55
